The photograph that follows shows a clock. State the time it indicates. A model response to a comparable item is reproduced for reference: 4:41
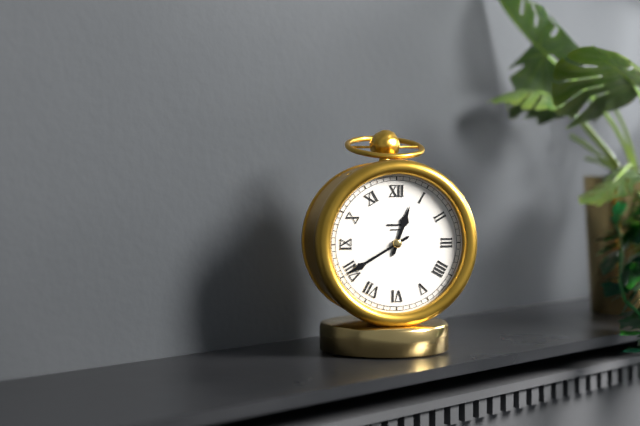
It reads 12:40
